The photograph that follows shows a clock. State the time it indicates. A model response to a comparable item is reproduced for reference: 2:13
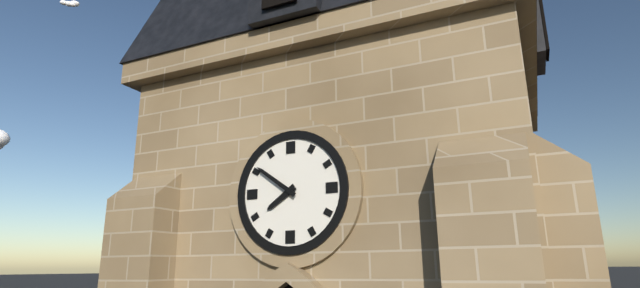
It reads 7:51
